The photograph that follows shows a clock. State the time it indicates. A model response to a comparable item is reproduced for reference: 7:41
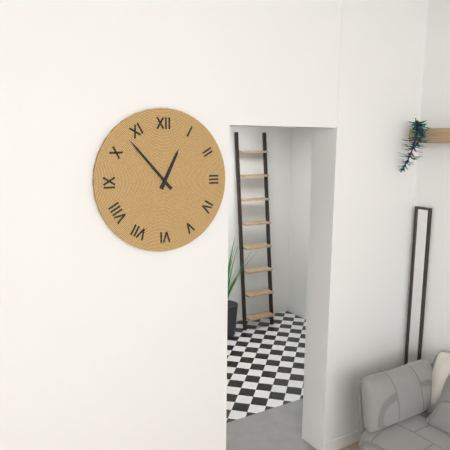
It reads 12:53
